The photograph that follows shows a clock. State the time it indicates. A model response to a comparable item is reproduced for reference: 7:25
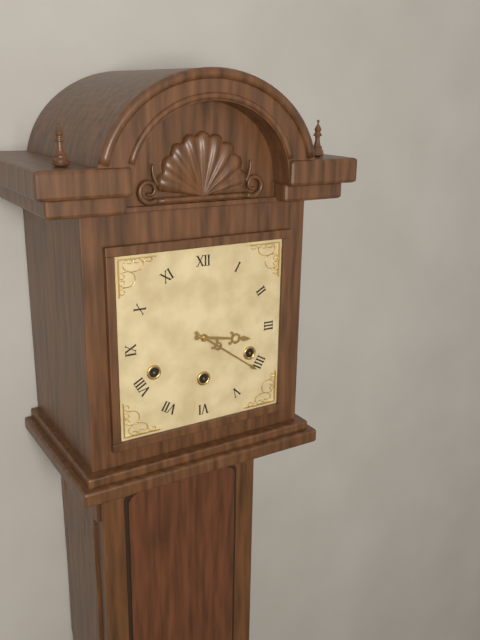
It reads 3:21
